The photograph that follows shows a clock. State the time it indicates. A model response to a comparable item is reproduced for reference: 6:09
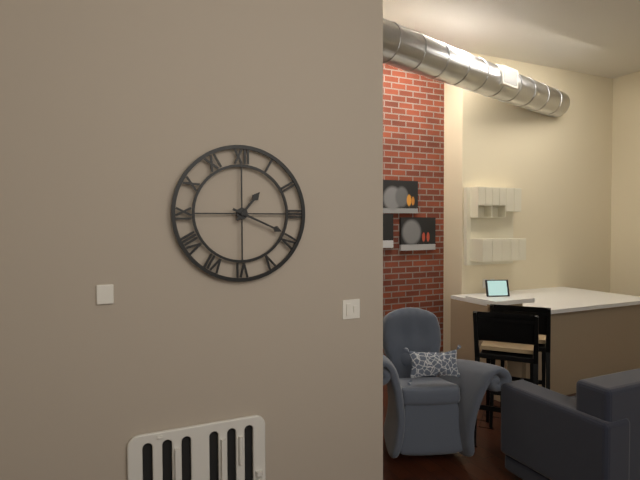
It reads 1:19
